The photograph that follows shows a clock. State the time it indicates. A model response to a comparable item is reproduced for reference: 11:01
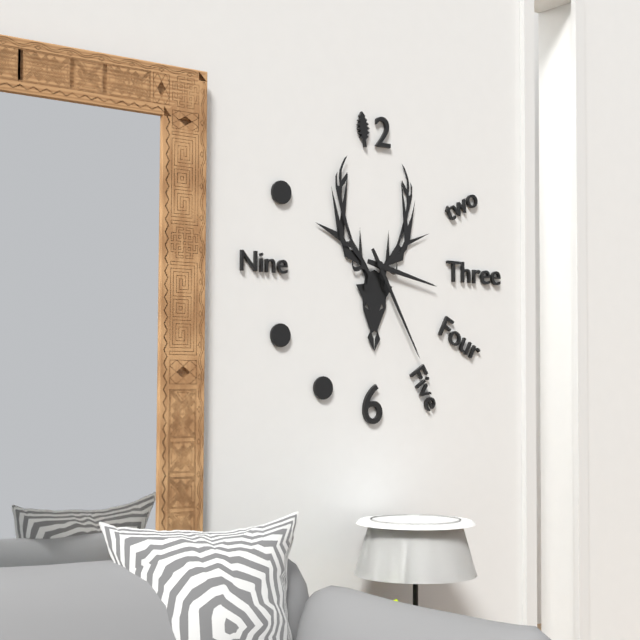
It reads 3:25
